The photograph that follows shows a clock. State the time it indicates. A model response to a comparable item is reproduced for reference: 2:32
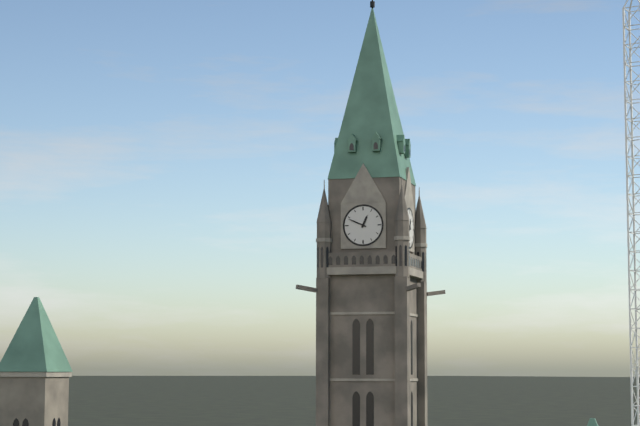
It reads 12:49
